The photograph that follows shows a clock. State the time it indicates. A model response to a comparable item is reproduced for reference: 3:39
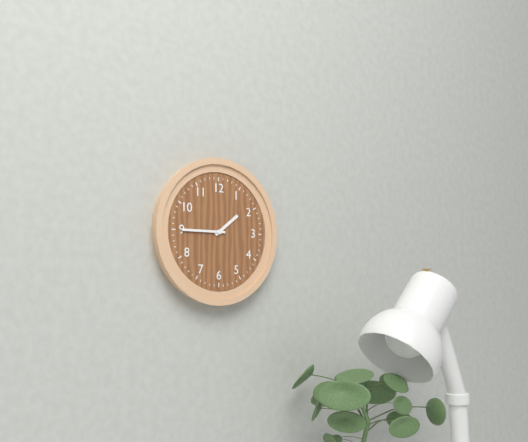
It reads 1:45
